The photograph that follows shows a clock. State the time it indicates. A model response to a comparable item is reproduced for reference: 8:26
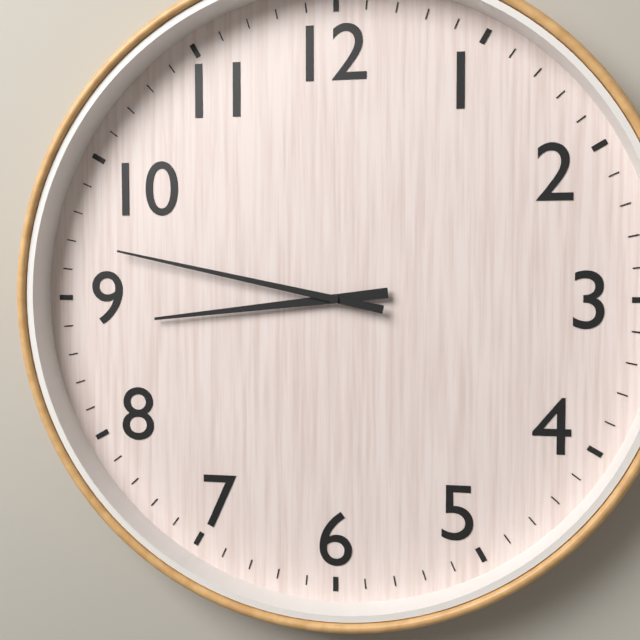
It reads 8:47
